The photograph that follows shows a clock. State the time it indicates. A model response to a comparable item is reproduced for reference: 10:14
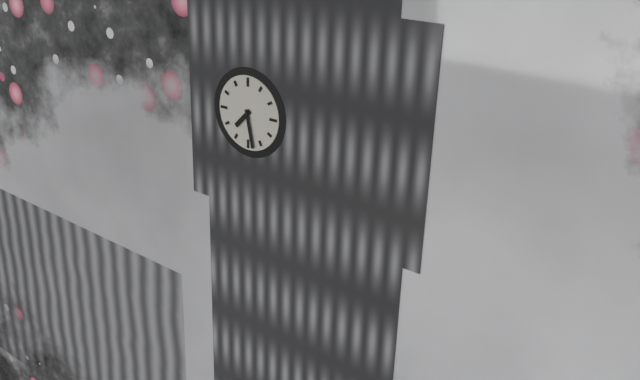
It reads 7:28
